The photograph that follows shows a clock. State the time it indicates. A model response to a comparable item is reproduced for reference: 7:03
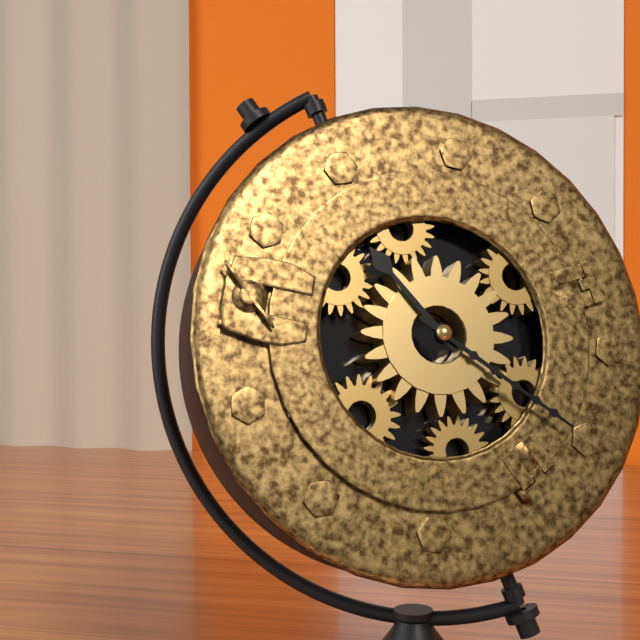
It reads 10:19
